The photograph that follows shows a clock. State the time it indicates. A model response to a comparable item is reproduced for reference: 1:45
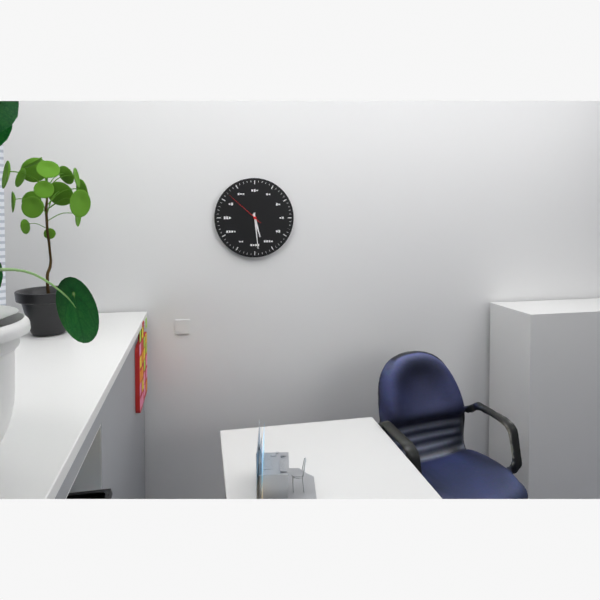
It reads 5:29
